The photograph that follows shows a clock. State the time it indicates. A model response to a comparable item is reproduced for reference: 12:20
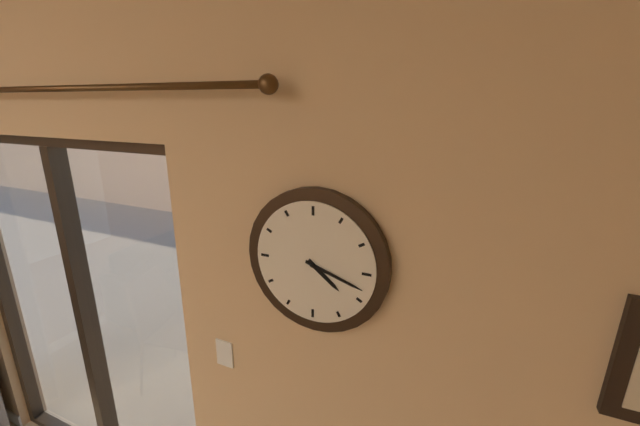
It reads 4:18
